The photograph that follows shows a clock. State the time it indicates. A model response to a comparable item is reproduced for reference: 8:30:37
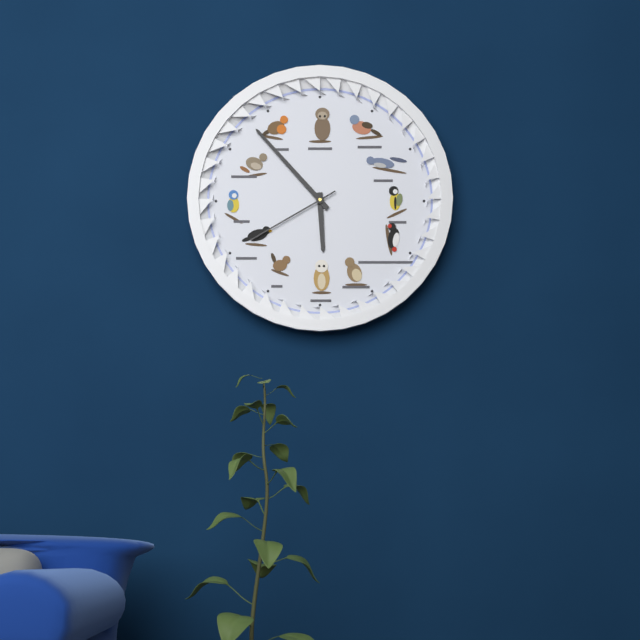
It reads 5:53:40
